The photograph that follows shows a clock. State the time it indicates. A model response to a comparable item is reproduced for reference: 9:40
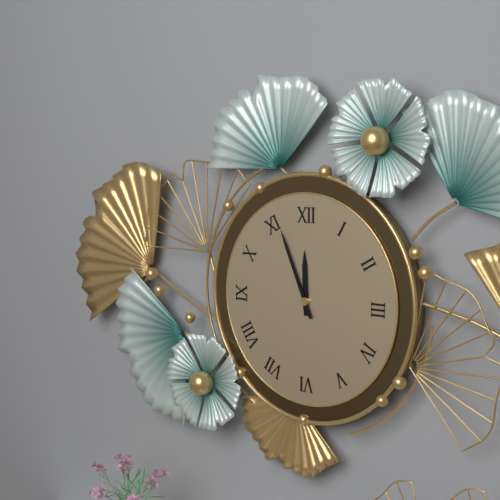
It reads 11:56
